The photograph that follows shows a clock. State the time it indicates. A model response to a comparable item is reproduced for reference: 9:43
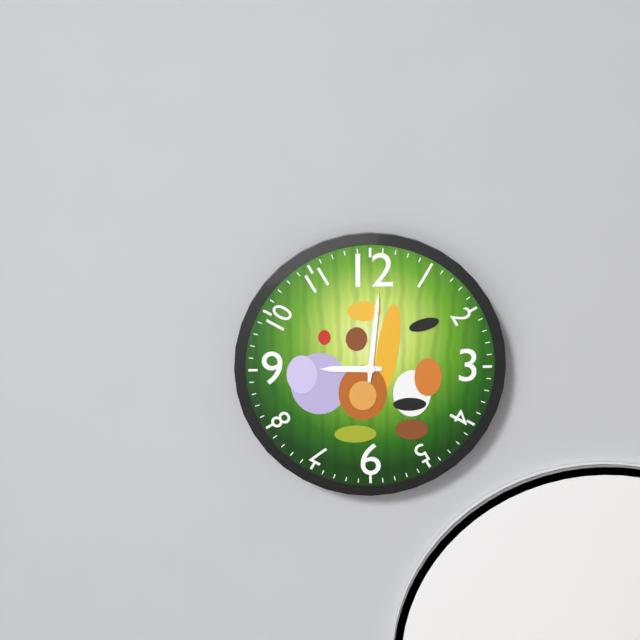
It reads 9:01
